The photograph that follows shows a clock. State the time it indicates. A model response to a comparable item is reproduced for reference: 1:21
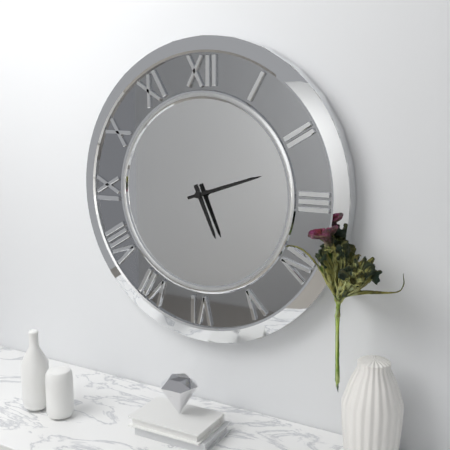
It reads 5:12
